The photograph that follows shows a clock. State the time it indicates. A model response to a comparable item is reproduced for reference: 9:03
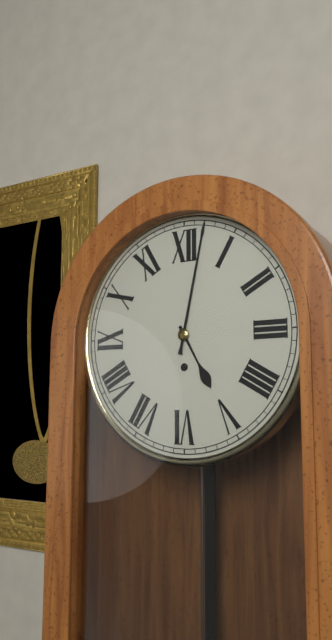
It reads 5:02
